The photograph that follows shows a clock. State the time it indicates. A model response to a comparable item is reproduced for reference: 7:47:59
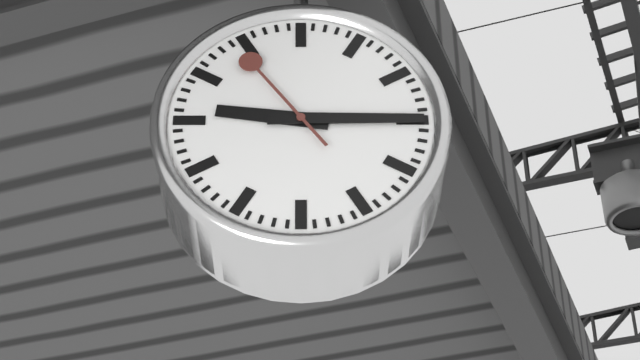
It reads 9:15:54
